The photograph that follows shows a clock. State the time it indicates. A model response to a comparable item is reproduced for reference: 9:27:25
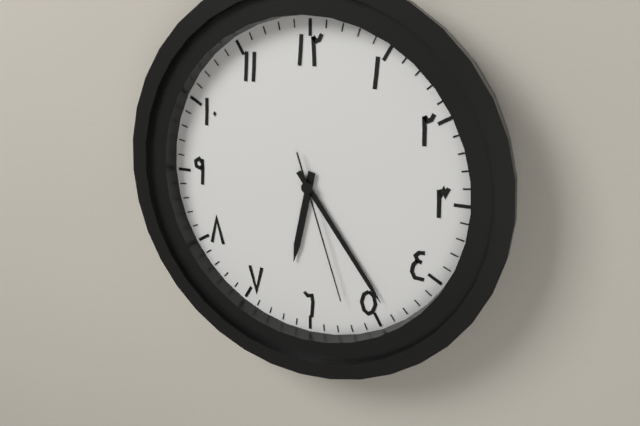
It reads 6:24:27
